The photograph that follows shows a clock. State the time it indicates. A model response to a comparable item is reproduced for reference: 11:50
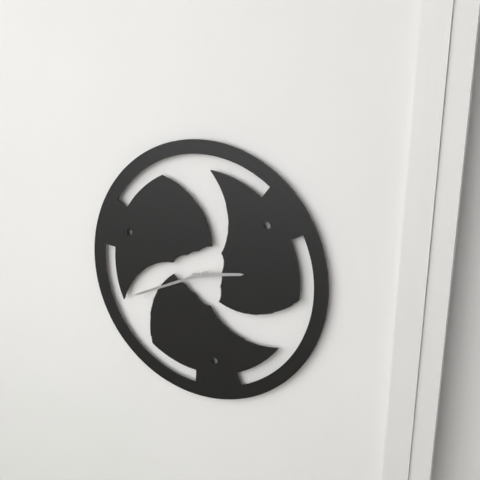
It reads 2:41
